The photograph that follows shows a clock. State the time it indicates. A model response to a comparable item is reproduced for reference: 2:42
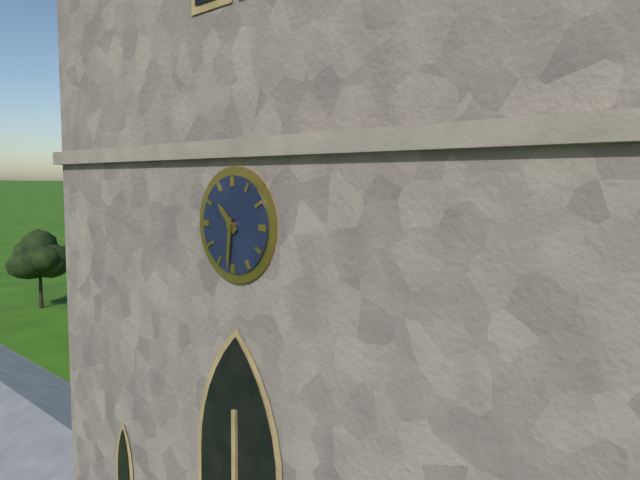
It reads 10:31
